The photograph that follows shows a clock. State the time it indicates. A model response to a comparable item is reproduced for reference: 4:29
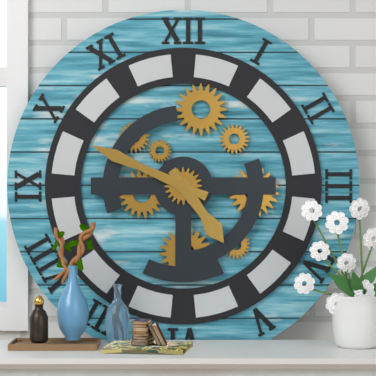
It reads 4:49
